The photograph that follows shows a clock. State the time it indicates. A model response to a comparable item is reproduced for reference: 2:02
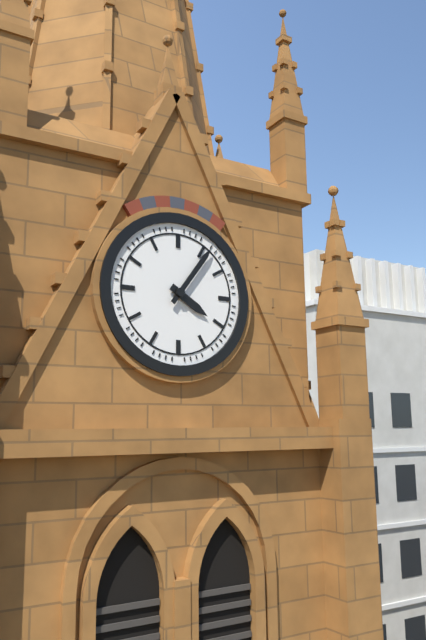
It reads 4:06
